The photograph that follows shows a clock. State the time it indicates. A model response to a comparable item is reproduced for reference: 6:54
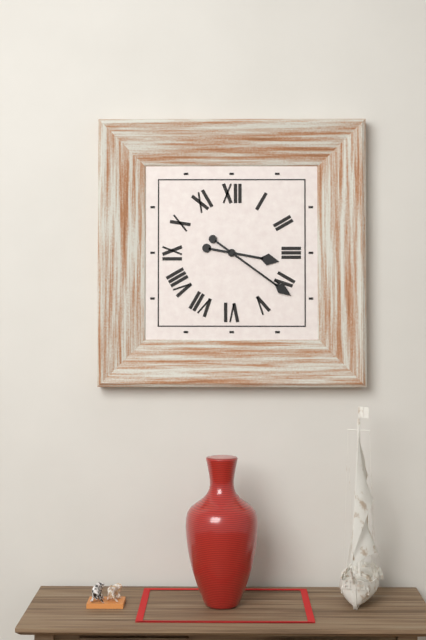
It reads 3:21
